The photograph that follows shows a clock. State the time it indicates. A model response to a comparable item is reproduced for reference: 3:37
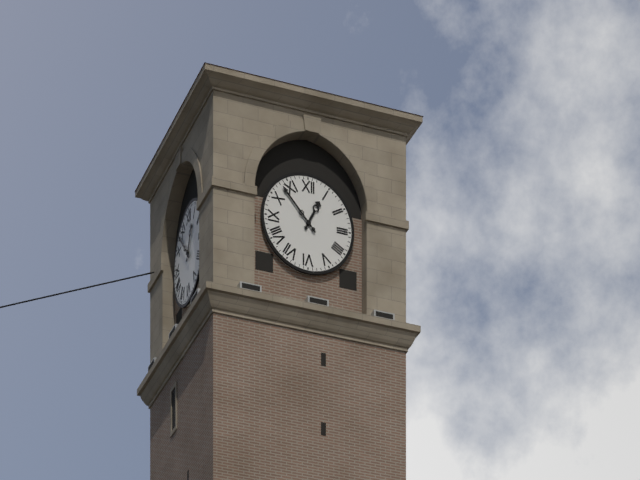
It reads 12:53
